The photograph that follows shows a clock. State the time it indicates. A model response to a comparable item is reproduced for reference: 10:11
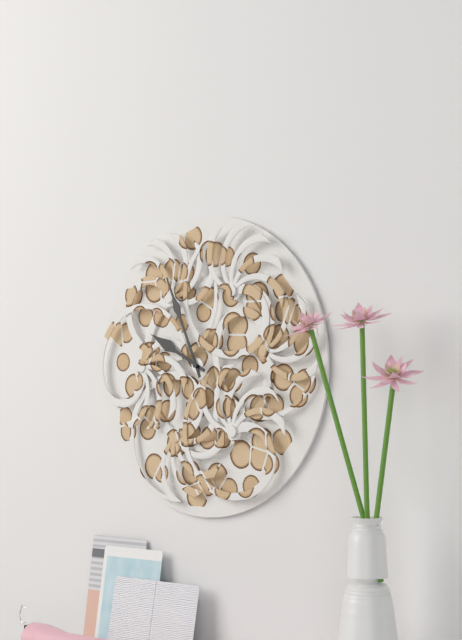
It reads 9:56
